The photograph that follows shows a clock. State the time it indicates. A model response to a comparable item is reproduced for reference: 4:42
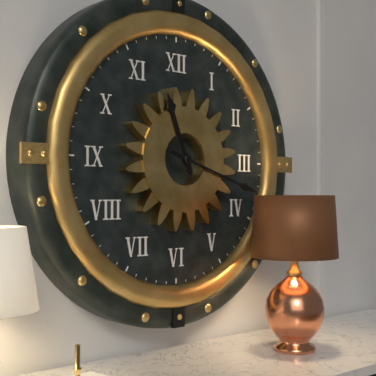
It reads 11:18
